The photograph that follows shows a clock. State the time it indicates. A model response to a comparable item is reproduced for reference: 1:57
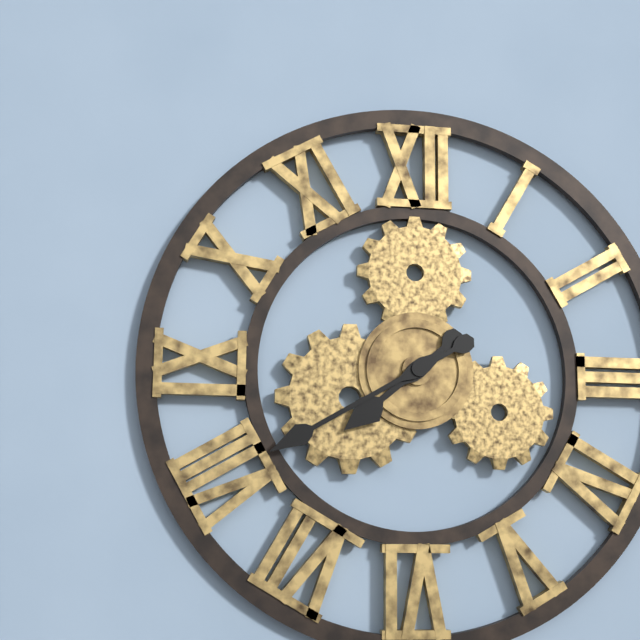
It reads 7:40
